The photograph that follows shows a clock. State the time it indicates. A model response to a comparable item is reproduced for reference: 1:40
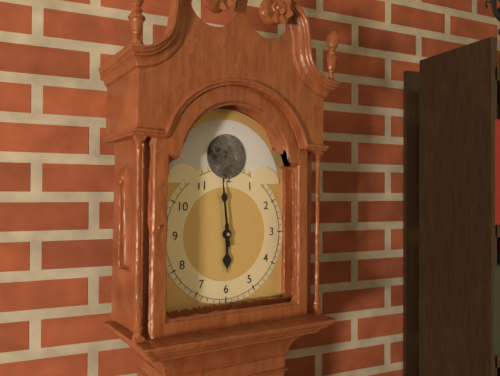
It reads 5:59
